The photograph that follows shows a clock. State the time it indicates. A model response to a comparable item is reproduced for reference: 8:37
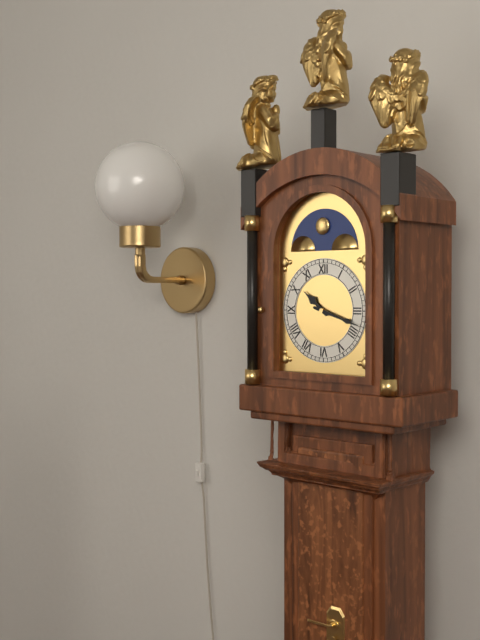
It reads 10:18
